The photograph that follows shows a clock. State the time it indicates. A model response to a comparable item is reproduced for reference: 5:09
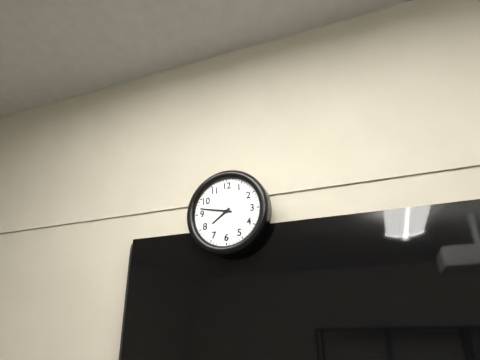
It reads 7:47
